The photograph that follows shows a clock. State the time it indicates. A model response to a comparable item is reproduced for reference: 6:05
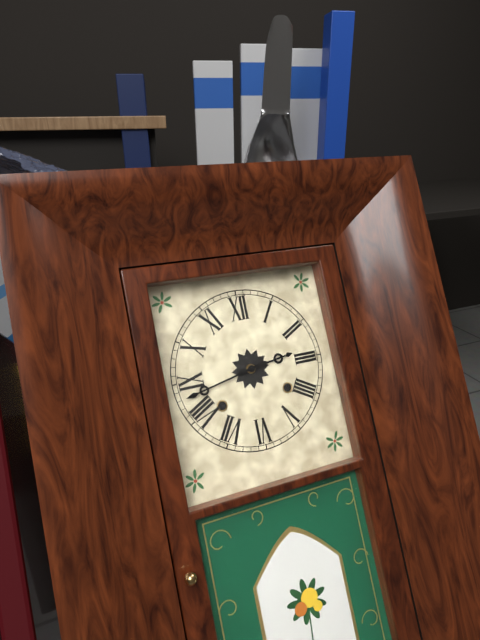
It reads 2:43
